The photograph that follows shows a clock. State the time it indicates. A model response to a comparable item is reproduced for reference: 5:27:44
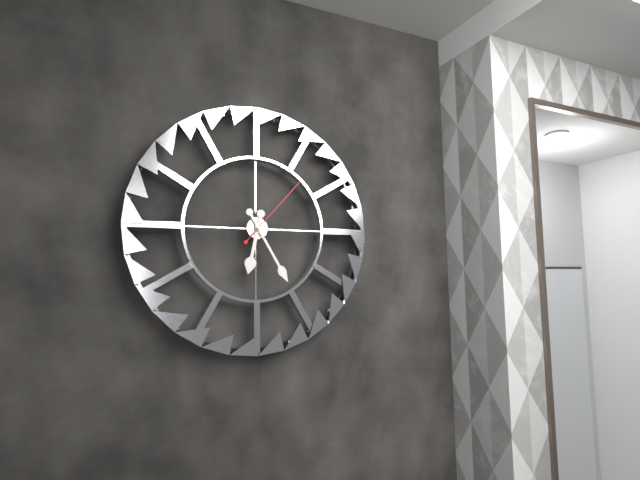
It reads 6:25:07
